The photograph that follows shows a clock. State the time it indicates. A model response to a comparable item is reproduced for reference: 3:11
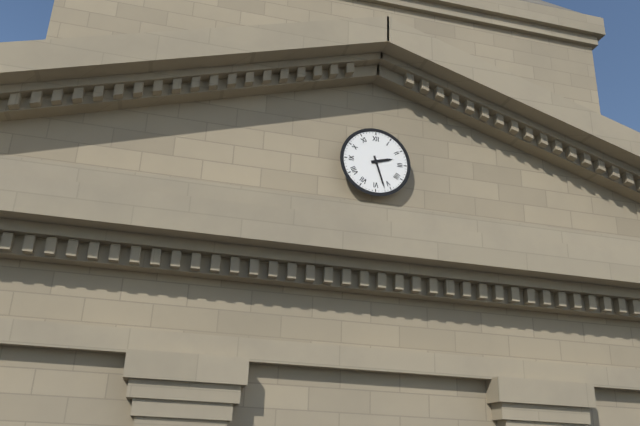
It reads 2:27
